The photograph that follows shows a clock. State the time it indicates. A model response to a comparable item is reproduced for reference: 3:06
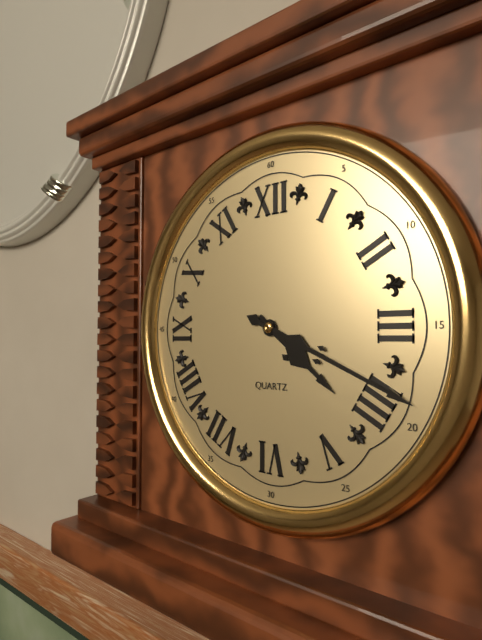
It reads 4:19
